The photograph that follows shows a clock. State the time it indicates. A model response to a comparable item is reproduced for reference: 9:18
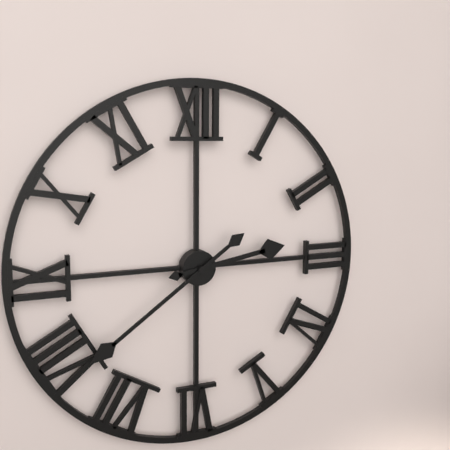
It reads 2:39
